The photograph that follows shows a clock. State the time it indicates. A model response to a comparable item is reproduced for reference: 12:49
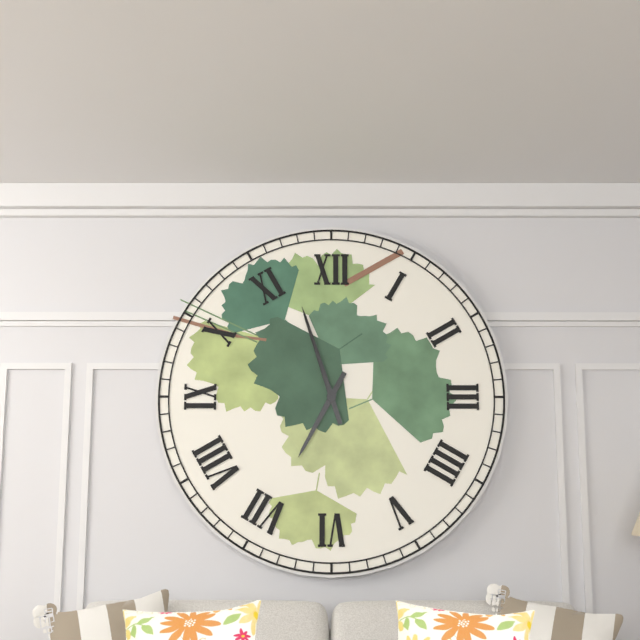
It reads 6:57
